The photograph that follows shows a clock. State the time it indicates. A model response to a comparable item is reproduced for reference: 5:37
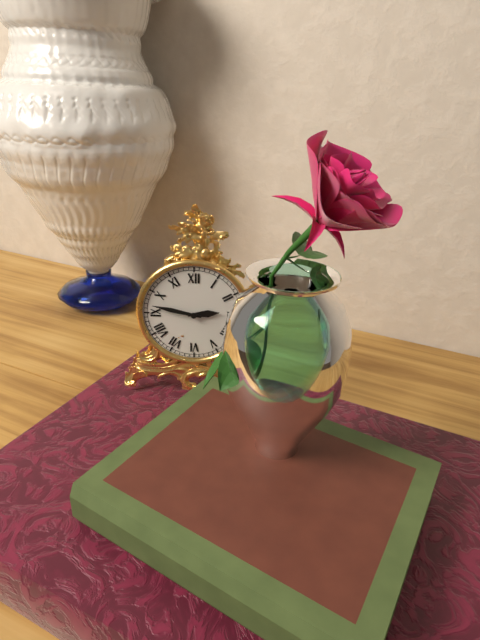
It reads 2:47
